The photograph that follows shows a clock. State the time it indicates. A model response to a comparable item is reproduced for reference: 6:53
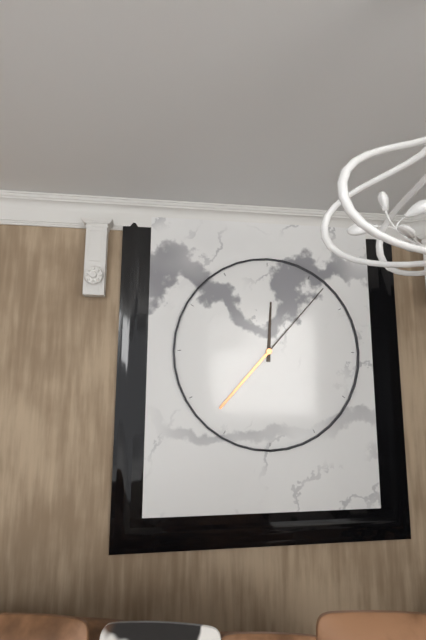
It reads 12:07
